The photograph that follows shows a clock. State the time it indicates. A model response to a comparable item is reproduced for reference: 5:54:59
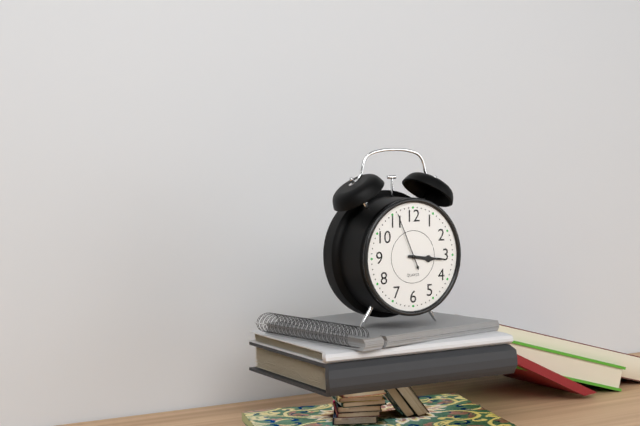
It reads 3:16:56
